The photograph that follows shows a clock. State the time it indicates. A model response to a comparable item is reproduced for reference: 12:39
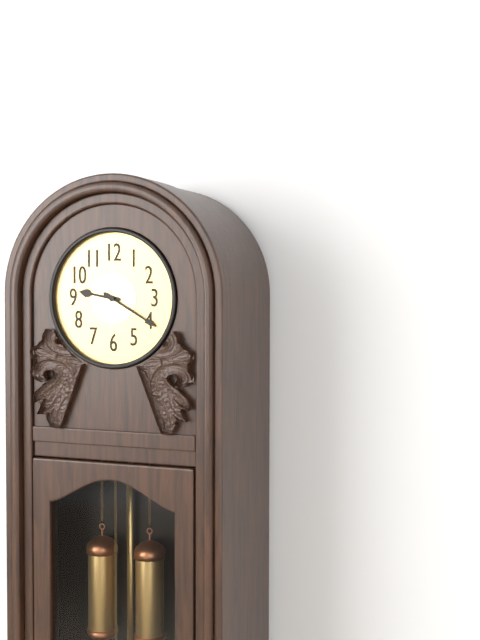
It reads 9:20
